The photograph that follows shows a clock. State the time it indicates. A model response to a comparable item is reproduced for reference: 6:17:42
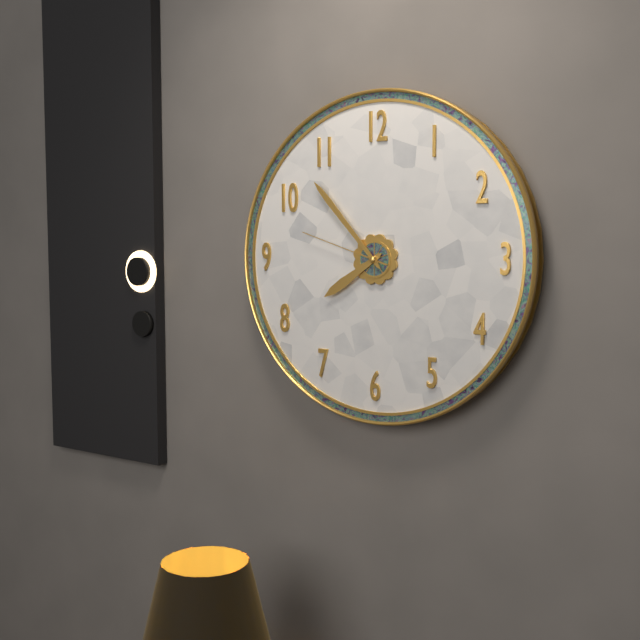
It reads 7:53:48
